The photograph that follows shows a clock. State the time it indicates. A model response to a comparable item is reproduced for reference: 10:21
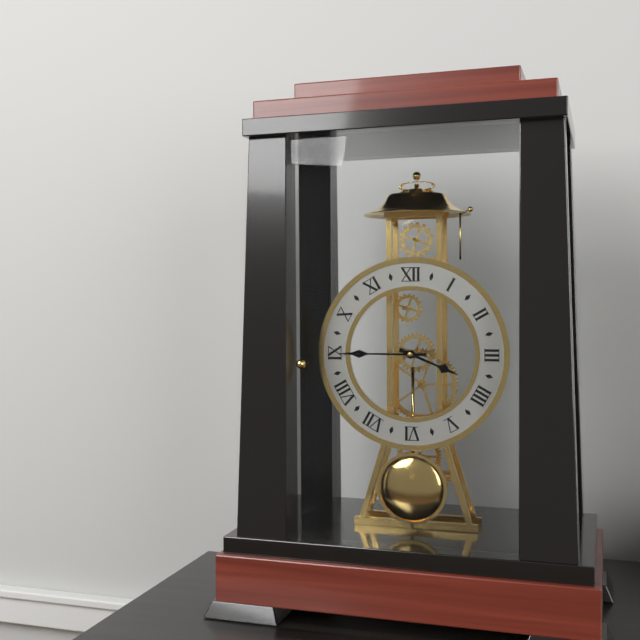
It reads 3:45
